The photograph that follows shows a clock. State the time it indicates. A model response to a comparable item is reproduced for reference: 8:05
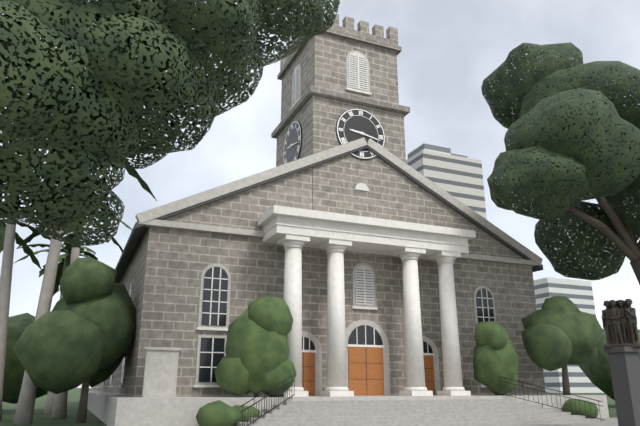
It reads 9:17
